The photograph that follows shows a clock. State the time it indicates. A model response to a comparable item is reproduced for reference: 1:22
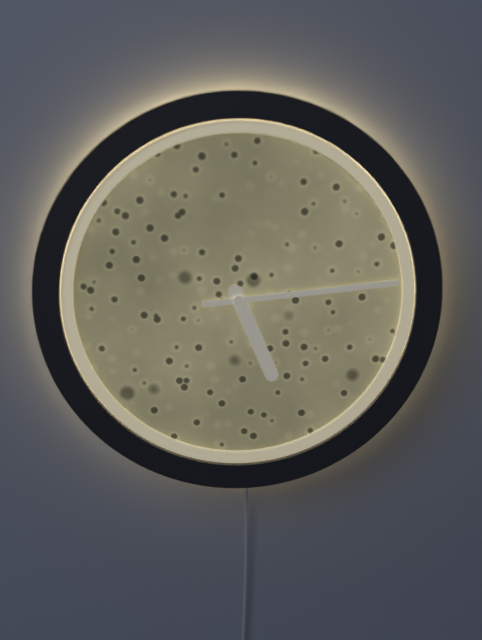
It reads 5:14
